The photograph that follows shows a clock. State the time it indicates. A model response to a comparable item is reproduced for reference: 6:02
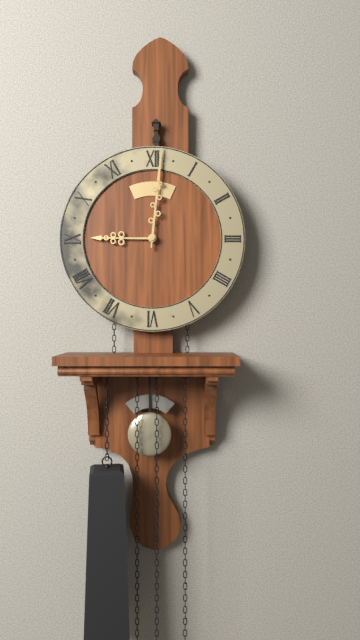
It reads 9:01
